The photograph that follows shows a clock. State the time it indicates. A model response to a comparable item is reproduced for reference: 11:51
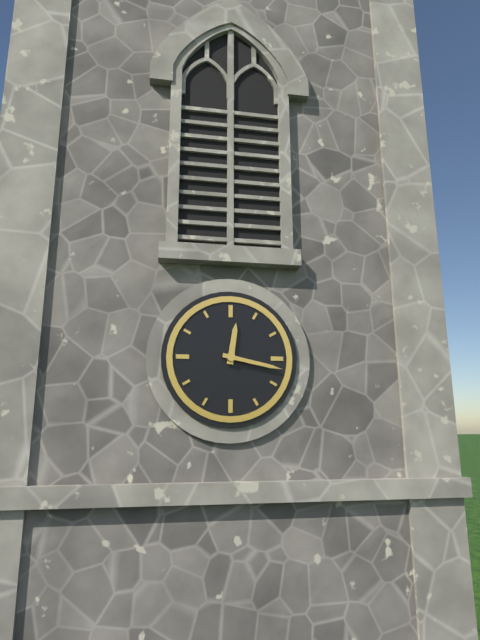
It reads 12:17
